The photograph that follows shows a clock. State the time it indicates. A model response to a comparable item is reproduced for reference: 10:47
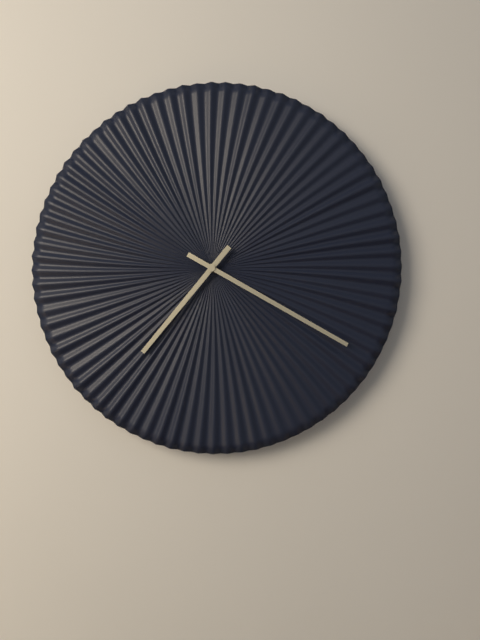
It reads 7:20
